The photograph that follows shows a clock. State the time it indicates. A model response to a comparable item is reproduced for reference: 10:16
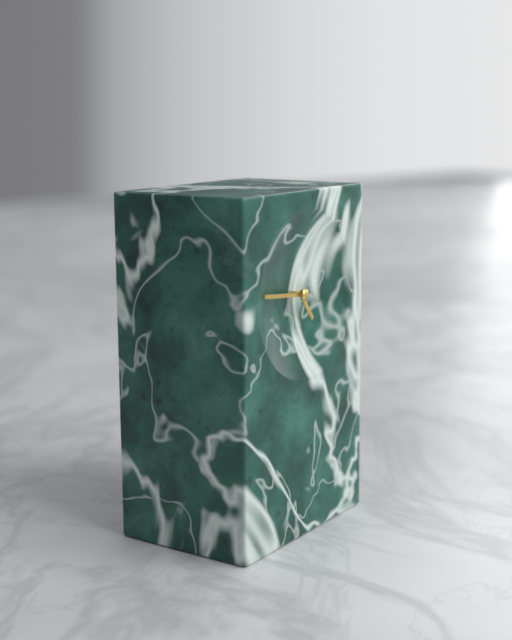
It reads 4:46
